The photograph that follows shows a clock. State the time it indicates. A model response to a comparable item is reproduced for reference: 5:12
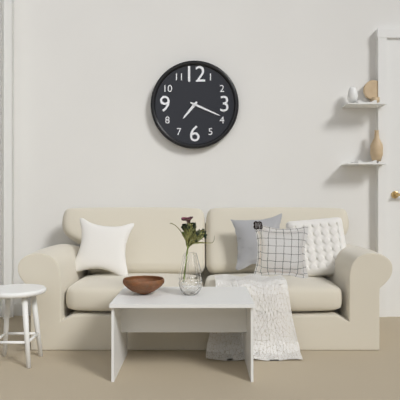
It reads 7:19
